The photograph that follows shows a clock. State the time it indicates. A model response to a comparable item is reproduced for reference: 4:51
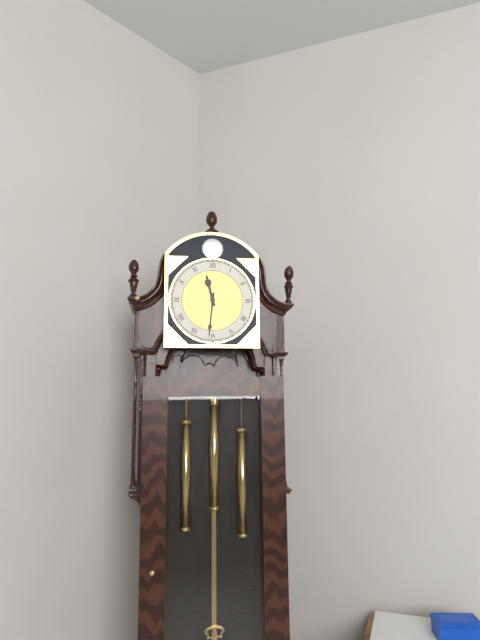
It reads 11:31
